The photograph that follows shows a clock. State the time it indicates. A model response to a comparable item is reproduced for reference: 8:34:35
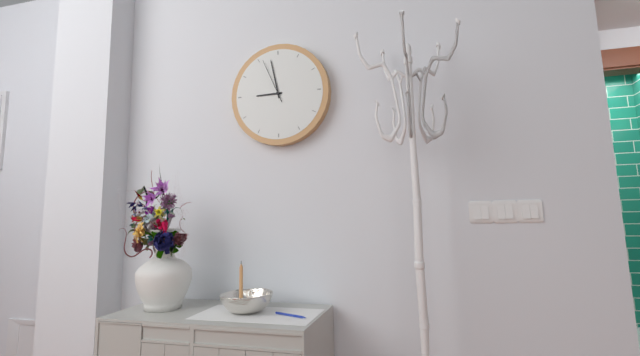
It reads 8:58:56
